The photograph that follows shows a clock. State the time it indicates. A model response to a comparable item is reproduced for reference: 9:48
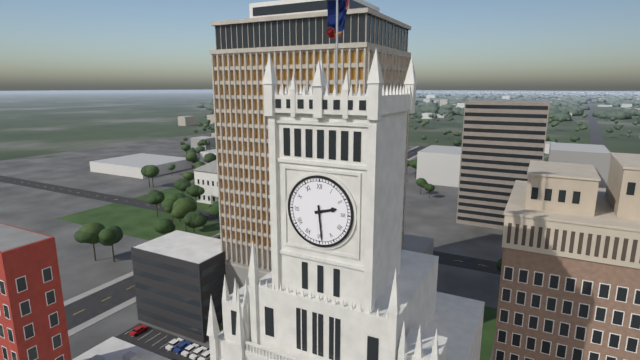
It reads 2:29
